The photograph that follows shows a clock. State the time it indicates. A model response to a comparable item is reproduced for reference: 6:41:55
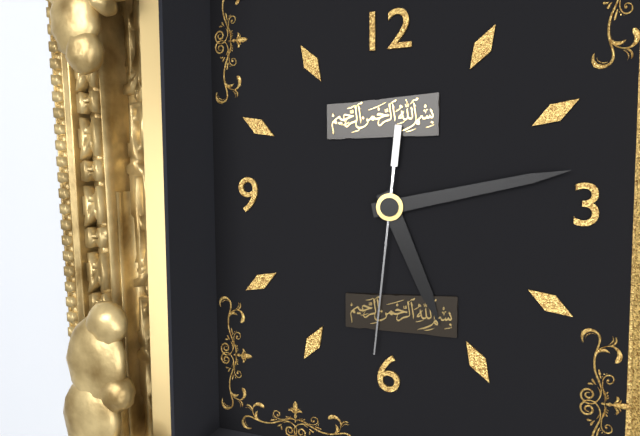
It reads 5:13:31
